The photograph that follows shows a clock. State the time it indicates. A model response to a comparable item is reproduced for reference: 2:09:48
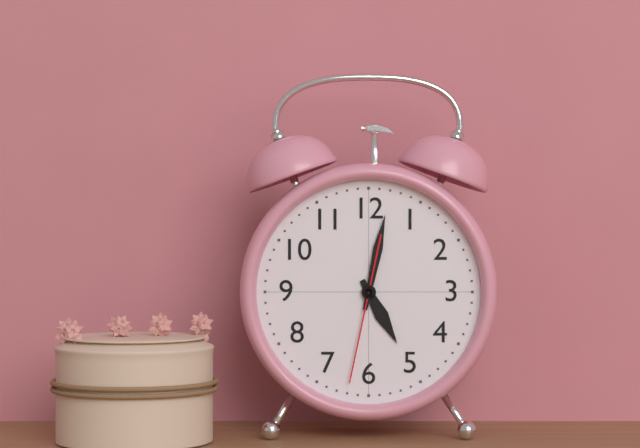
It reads 5:02:32
